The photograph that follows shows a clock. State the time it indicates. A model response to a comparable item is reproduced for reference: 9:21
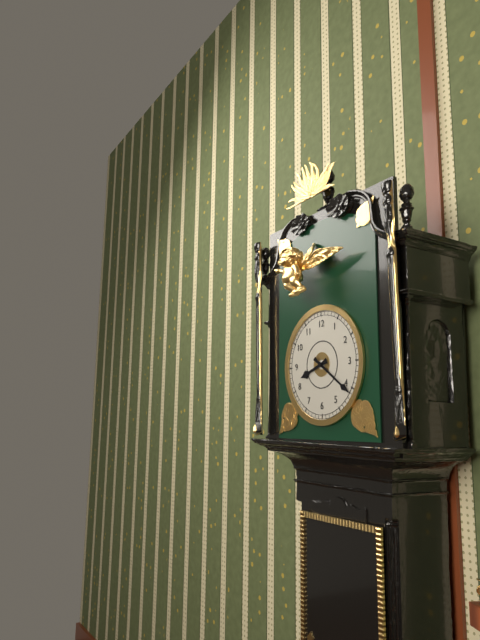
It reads 8:21
